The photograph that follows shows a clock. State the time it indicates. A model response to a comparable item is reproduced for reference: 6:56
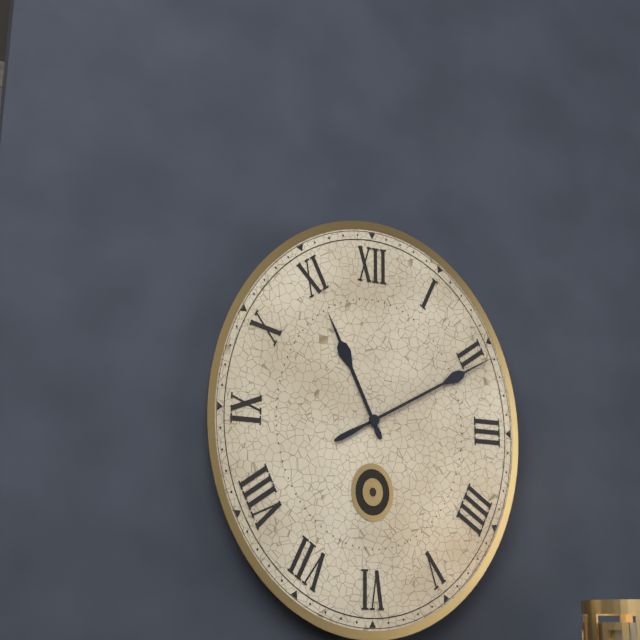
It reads 11:10
